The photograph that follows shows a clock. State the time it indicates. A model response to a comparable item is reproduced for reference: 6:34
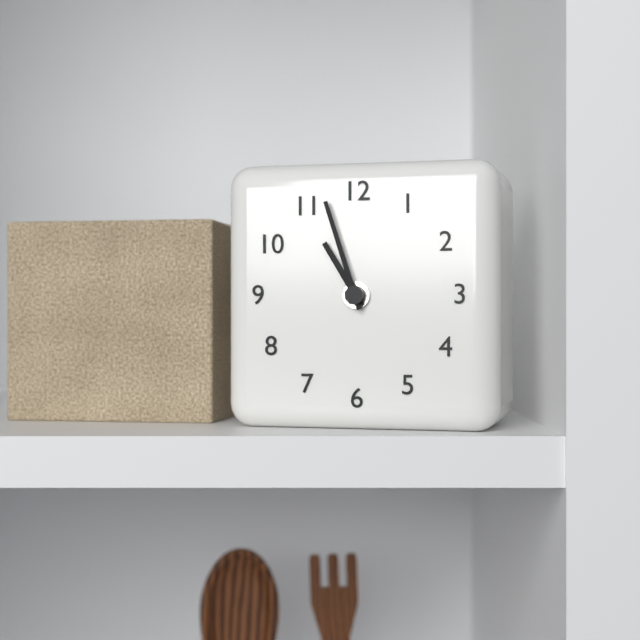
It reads 10:57
